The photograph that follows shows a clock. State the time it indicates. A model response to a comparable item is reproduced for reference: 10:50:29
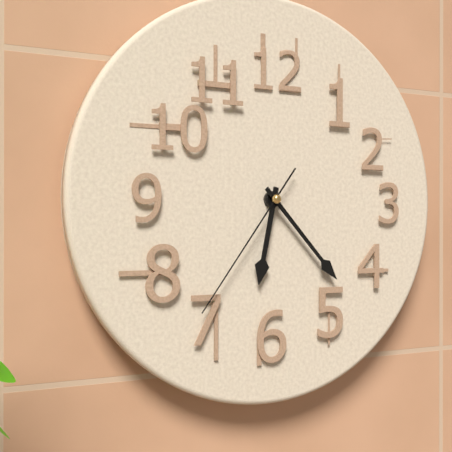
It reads 6:23:36
